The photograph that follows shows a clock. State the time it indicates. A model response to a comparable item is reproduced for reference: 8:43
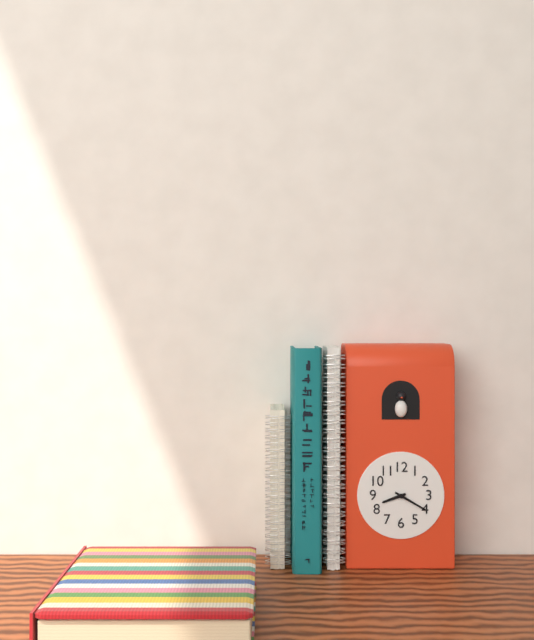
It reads 8:20
